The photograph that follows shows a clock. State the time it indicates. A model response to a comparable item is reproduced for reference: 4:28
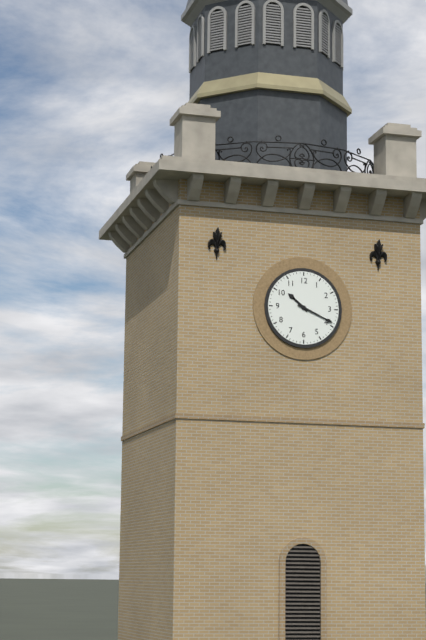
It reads 10:19
